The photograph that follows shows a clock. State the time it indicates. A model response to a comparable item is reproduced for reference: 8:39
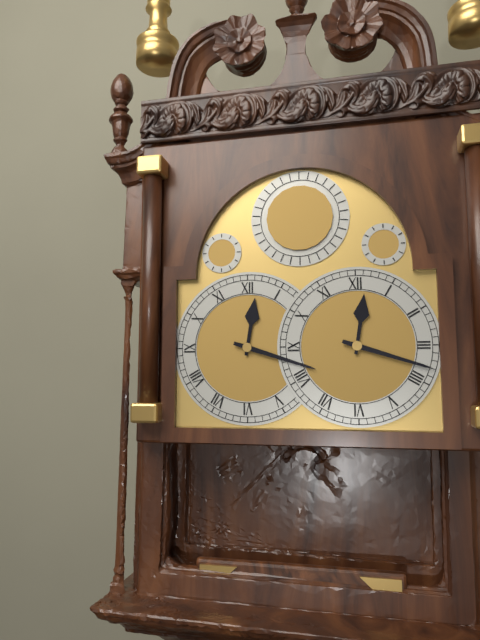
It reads 12:18
